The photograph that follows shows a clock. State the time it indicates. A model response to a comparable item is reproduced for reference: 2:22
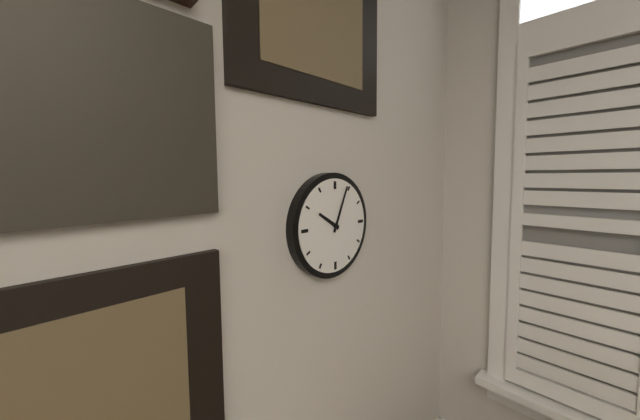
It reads 10:04
